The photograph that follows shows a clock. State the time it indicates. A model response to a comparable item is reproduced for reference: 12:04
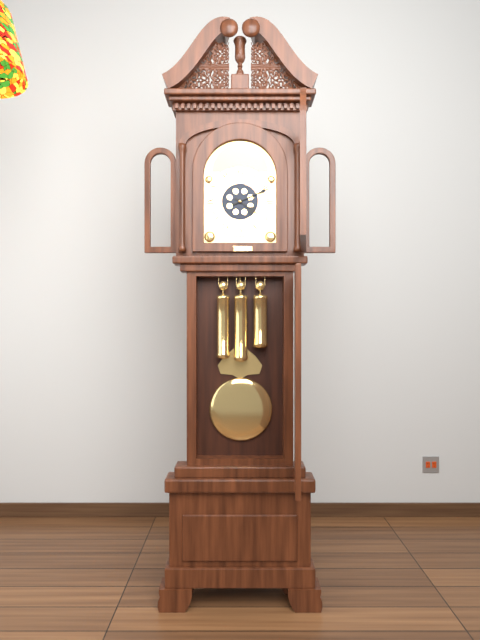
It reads 4:11
